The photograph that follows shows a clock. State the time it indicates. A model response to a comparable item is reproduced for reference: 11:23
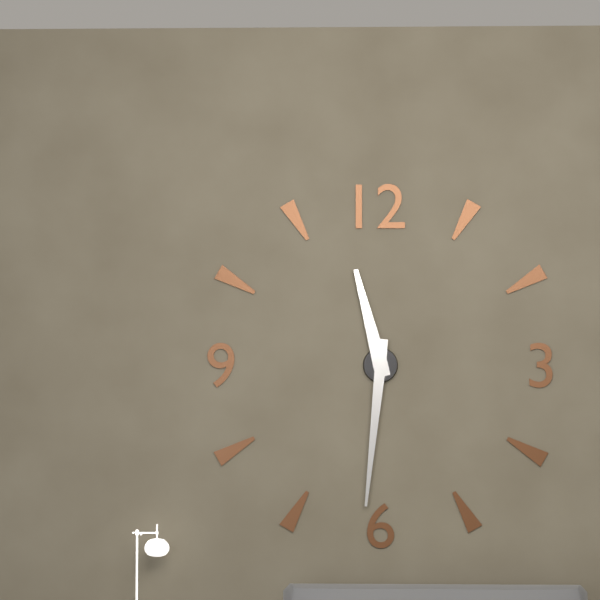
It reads 11:31
